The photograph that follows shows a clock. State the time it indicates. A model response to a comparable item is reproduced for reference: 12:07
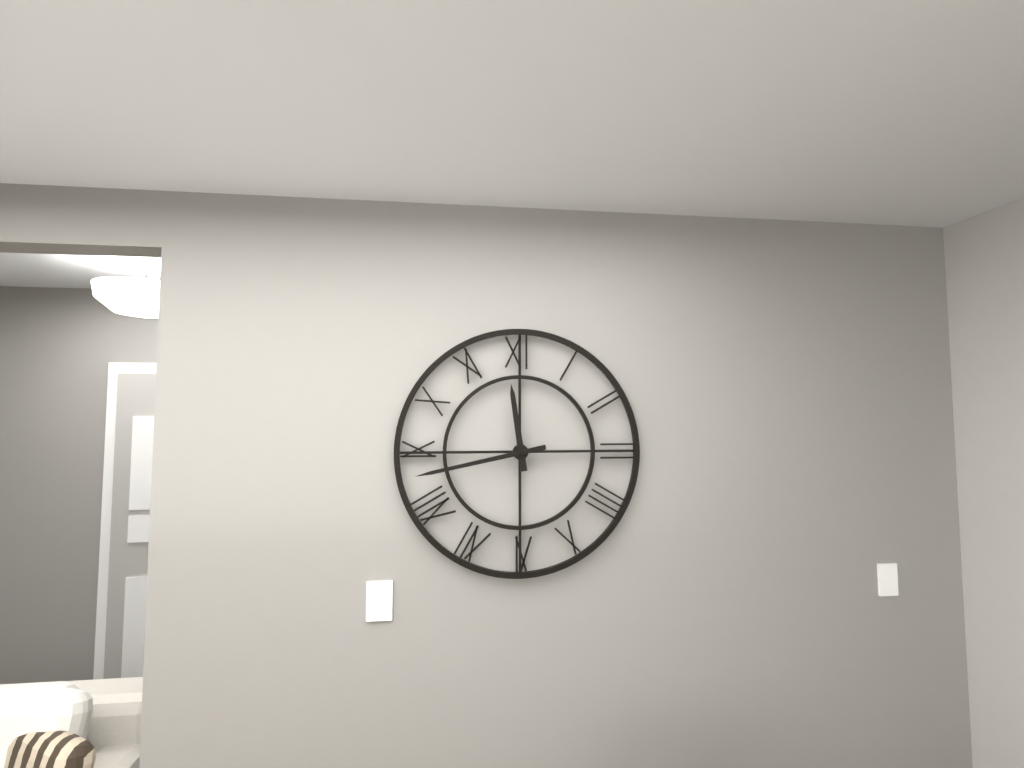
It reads 11:43
